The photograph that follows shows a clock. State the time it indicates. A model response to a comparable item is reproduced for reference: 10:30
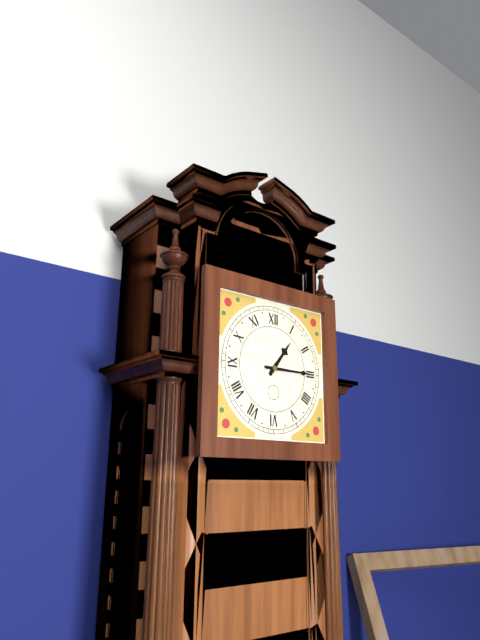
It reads 1:15
